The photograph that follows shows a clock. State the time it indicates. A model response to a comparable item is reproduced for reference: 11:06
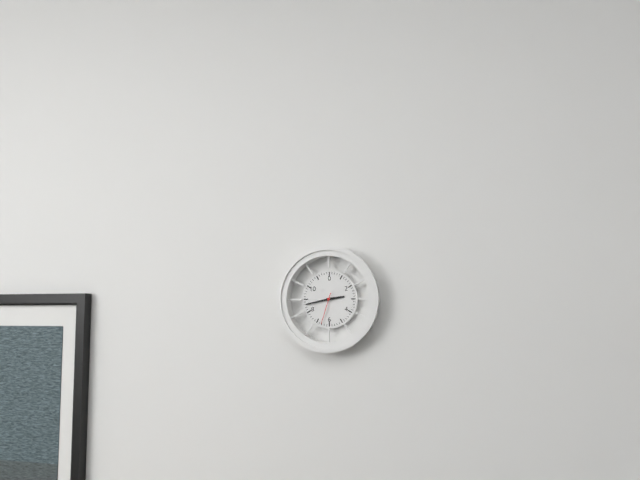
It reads 2:43
